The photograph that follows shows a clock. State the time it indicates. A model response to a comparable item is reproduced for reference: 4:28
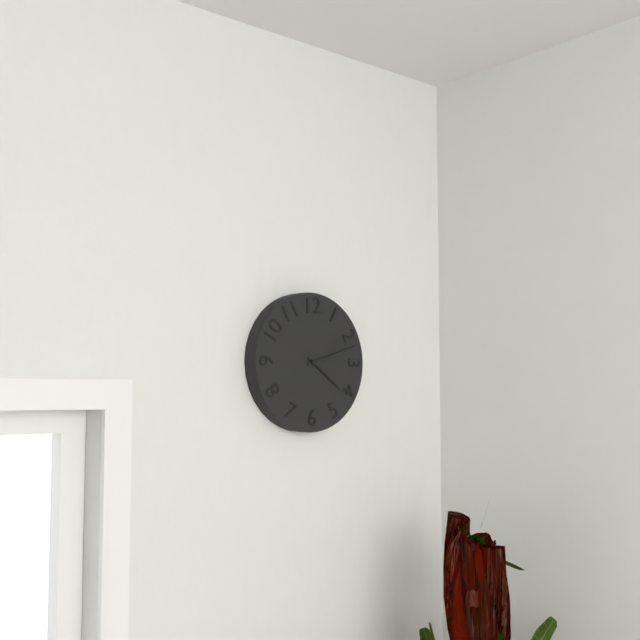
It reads 4:12
